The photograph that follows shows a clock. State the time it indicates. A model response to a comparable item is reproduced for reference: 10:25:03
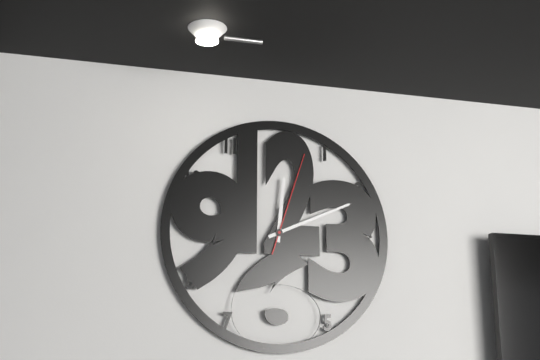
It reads 12:11:03
